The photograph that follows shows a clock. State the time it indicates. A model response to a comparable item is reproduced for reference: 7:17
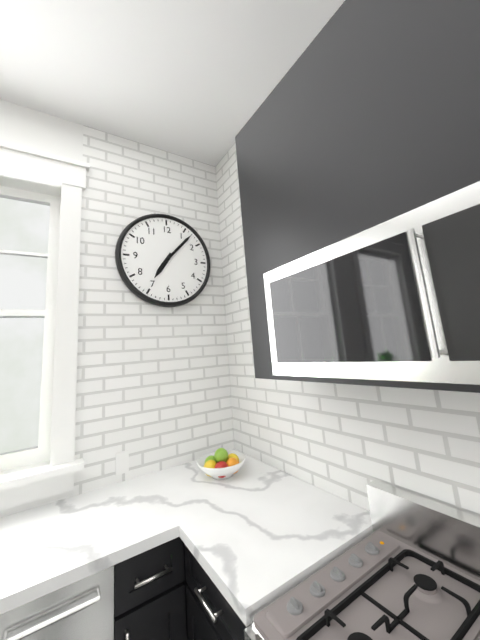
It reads 7:07
